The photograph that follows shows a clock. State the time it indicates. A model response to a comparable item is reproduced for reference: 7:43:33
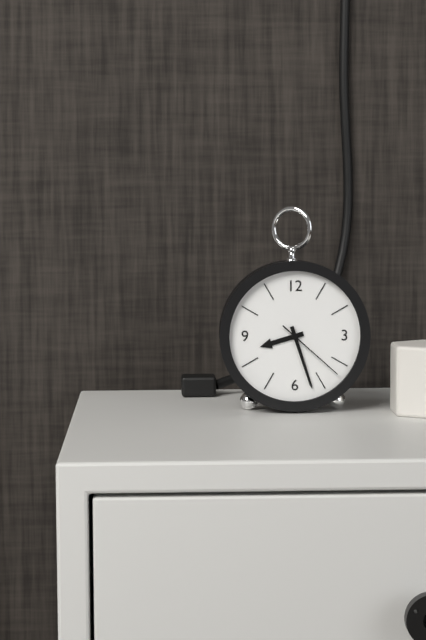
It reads 8:27:22
